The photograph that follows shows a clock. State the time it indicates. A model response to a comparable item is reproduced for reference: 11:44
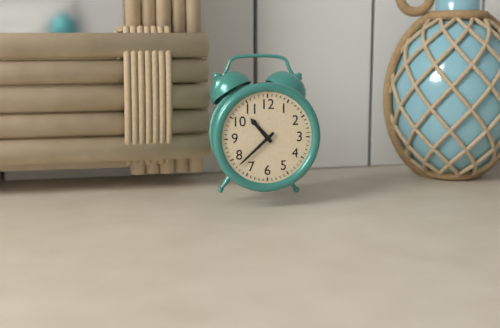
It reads 10:38
